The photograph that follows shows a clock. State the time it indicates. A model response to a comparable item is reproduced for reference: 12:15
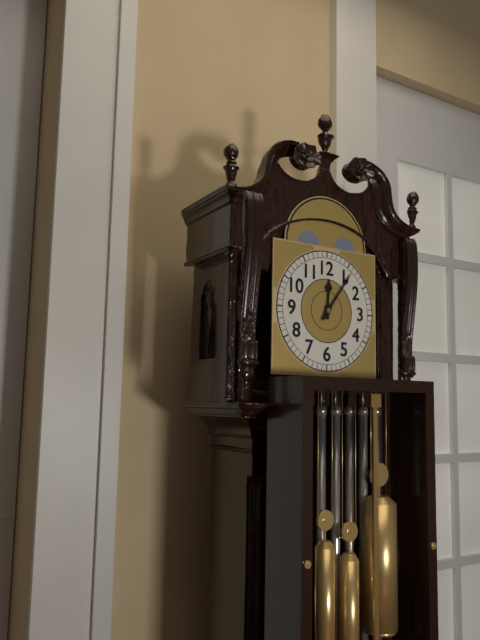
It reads 12:06
